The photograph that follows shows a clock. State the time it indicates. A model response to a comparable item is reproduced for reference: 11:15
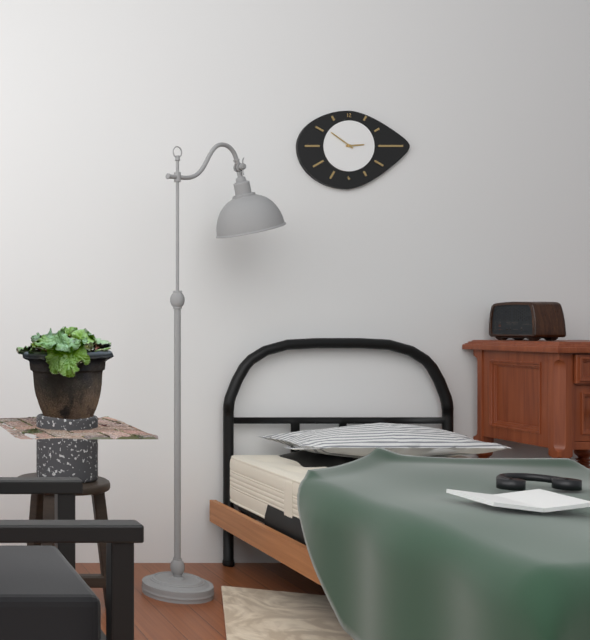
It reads 2:51
